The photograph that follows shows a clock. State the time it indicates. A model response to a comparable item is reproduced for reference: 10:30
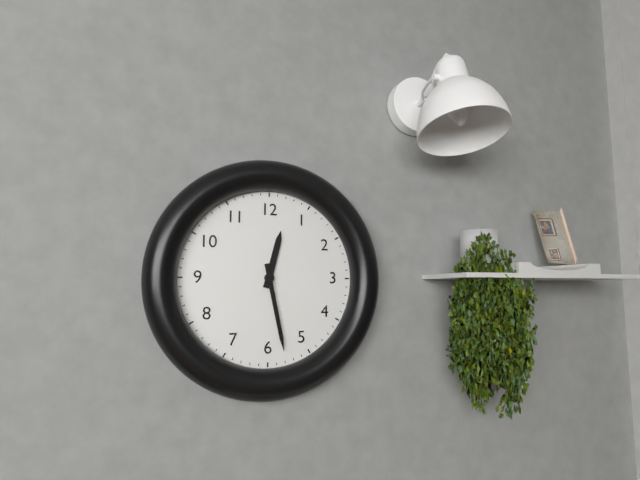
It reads 12:28
